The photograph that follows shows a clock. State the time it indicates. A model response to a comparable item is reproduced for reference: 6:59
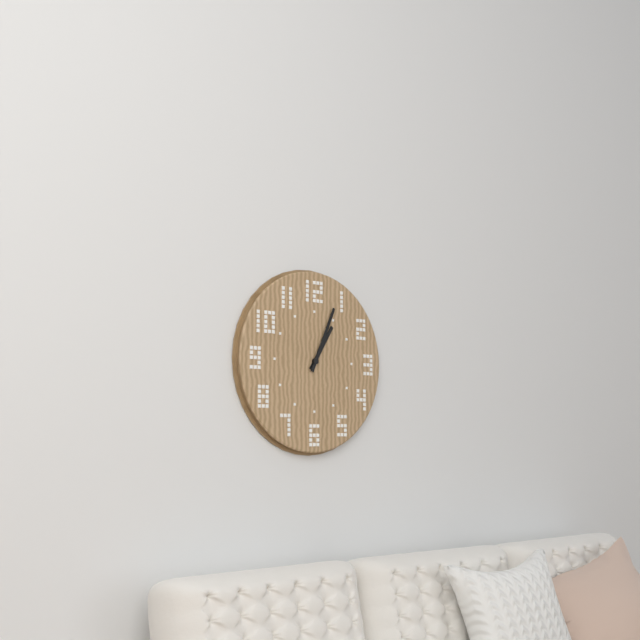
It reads 1:04
